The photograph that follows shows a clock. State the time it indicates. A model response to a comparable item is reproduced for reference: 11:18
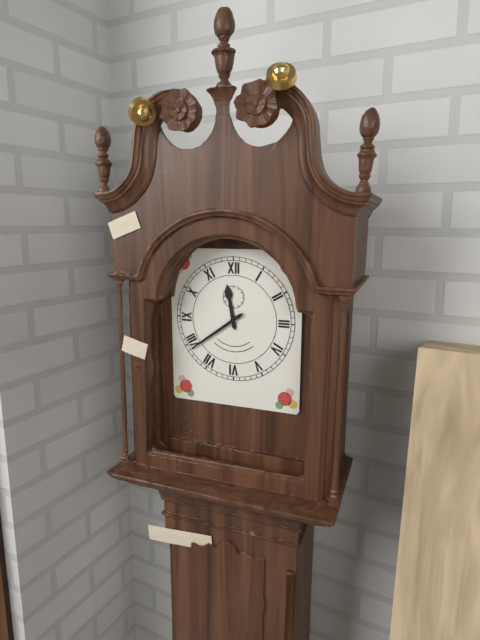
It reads 11:39
